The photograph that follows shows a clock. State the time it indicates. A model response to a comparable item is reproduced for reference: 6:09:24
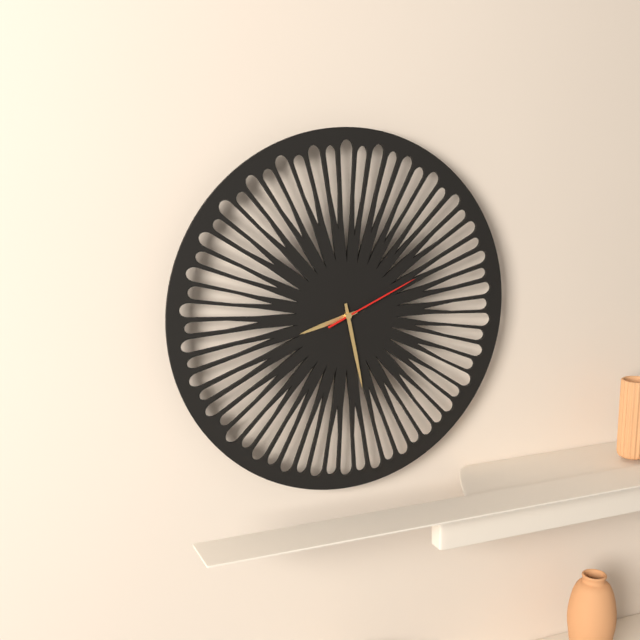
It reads 8:28:11
